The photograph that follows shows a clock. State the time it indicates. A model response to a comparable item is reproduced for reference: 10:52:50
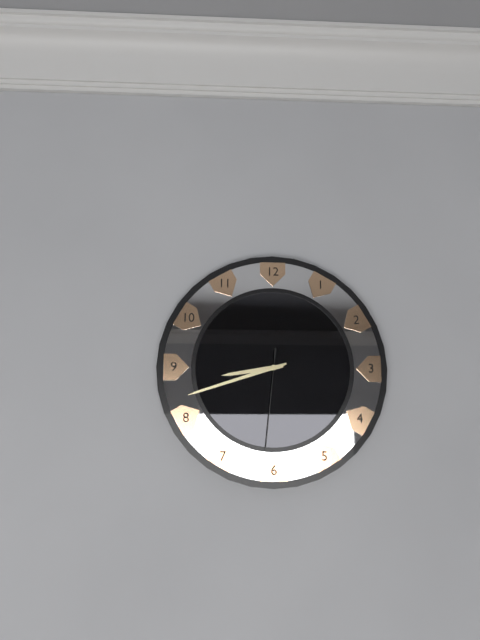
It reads 8:42:31
